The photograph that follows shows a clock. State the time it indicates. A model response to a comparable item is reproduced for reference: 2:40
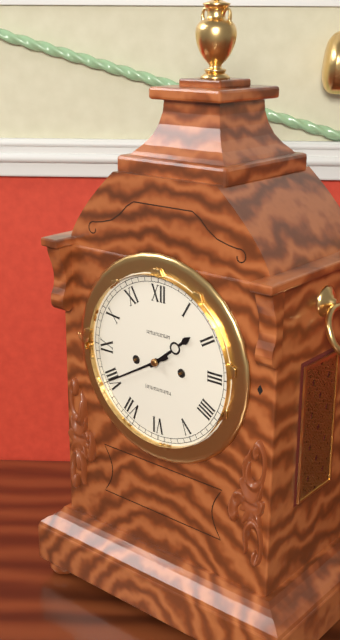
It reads 1:40
